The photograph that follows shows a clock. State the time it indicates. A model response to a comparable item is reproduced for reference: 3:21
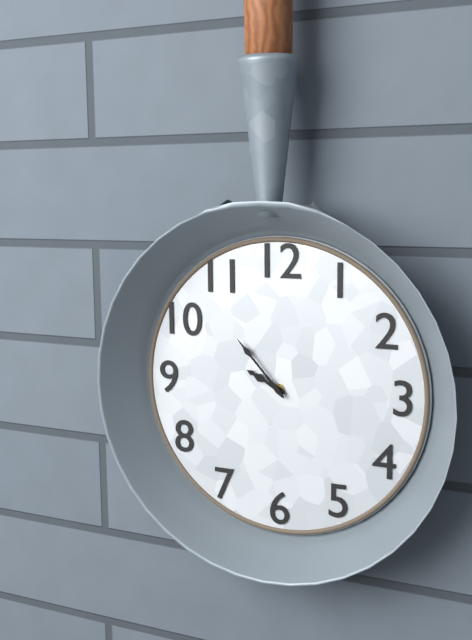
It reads 9:53
